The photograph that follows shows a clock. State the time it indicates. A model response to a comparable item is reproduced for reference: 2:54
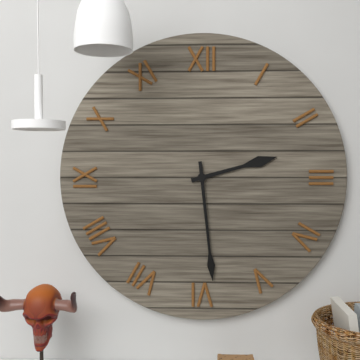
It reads 2:29
